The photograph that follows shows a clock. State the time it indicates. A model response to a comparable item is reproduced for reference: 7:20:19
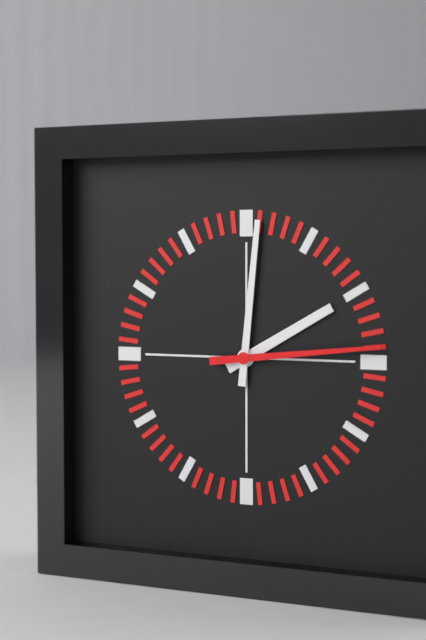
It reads 2:01:14
